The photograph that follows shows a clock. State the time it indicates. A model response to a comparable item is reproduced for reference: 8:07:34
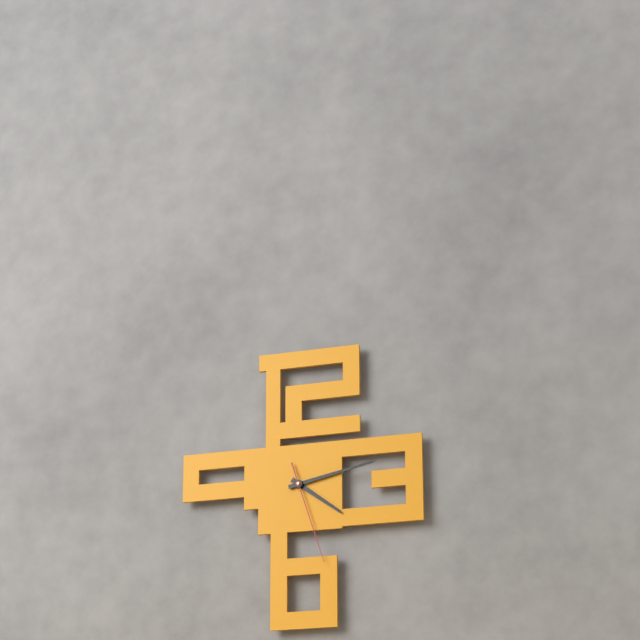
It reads 4:13:27
